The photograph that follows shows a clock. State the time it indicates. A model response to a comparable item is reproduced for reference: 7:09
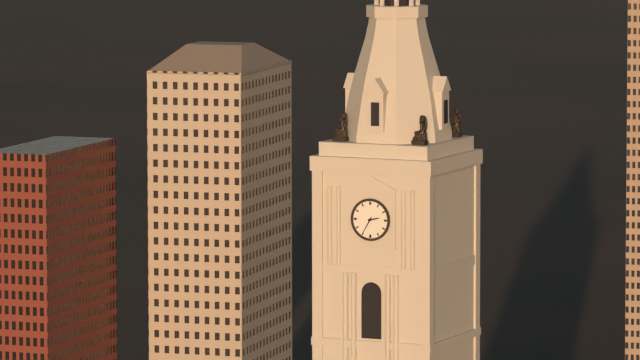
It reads 2:35
